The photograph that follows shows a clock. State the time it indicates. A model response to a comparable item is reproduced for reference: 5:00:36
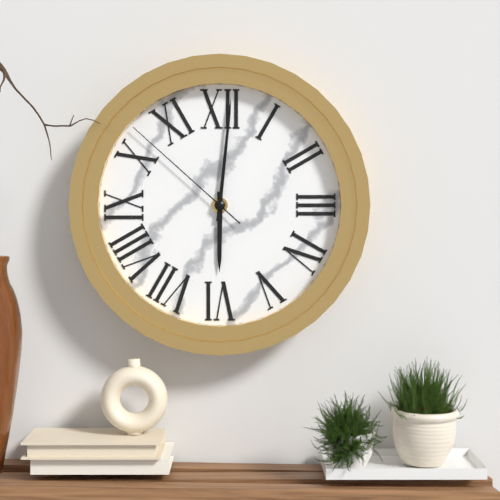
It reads 6:01:52
